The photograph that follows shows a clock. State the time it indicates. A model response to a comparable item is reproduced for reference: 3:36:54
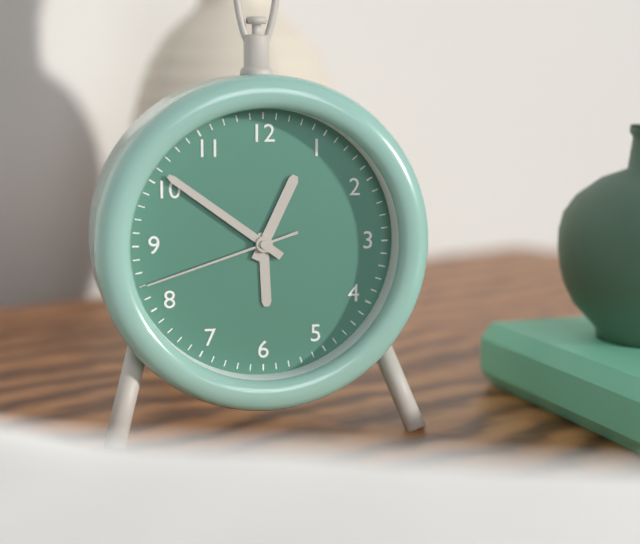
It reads 12:51:42
